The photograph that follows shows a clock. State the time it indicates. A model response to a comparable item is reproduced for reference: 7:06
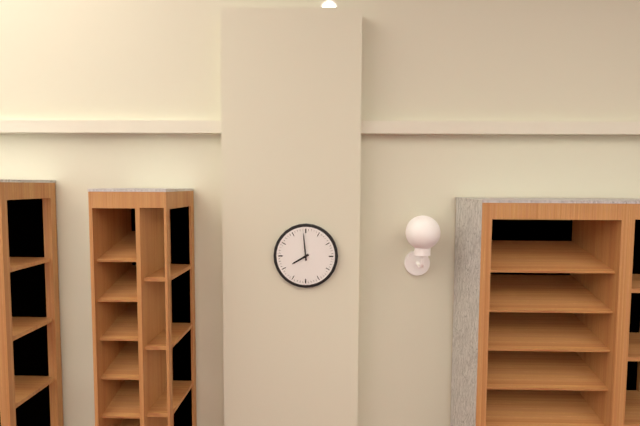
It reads 7:59
